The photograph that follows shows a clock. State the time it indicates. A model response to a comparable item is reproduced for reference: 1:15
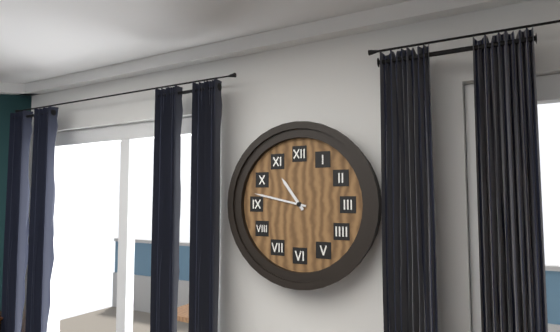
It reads 10:47
